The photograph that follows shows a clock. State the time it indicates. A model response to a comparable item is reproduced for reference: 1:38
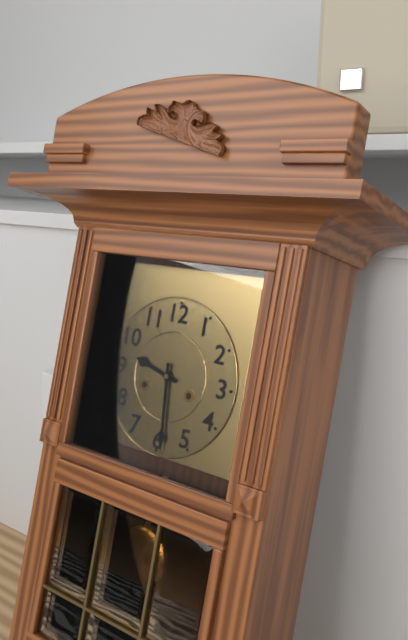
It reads 9:29
